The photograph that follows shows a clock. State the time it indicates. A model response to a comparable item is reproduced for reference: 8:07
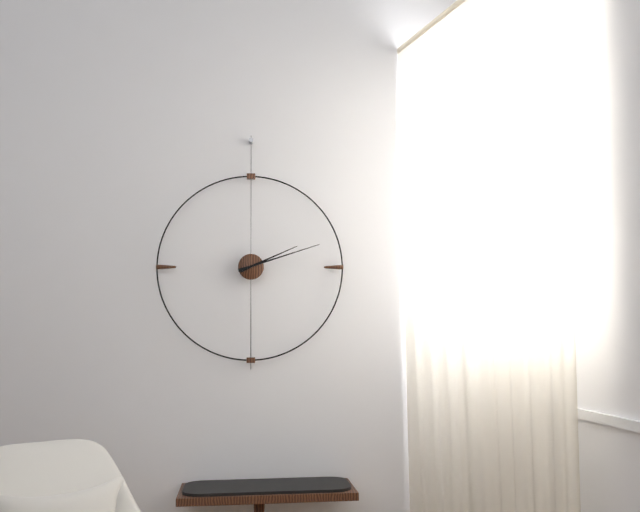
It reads 2:12
